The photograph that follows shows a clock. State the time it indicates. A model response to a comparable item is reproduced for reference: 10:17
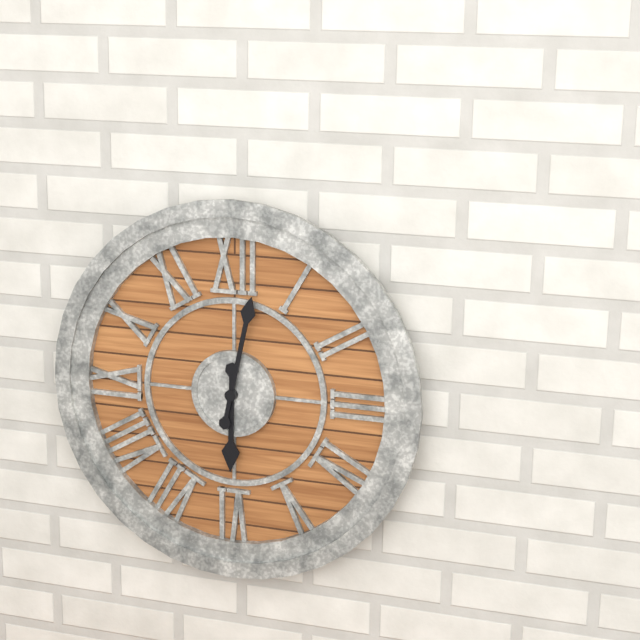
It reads 6:02
